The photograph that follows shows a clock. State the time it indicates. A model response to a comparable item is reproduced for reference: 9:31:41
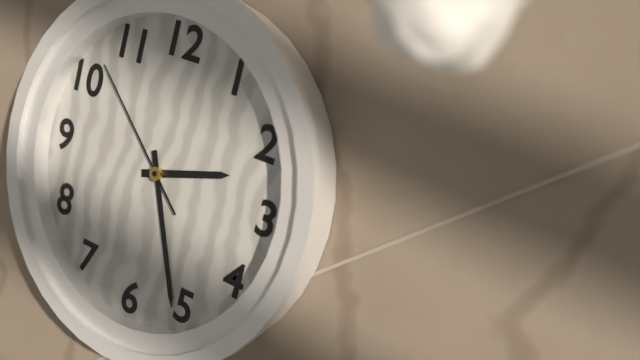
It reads 2:26:52
